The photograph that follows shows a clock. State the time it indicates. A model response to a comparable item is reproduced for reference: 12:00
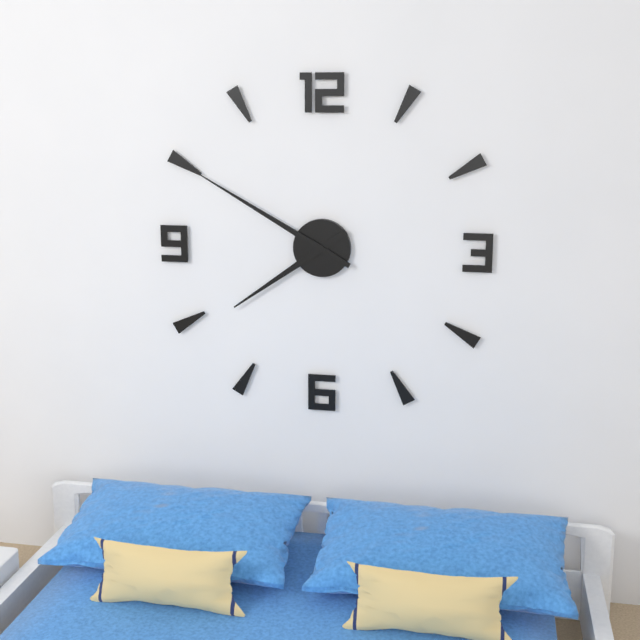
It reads 7:50
